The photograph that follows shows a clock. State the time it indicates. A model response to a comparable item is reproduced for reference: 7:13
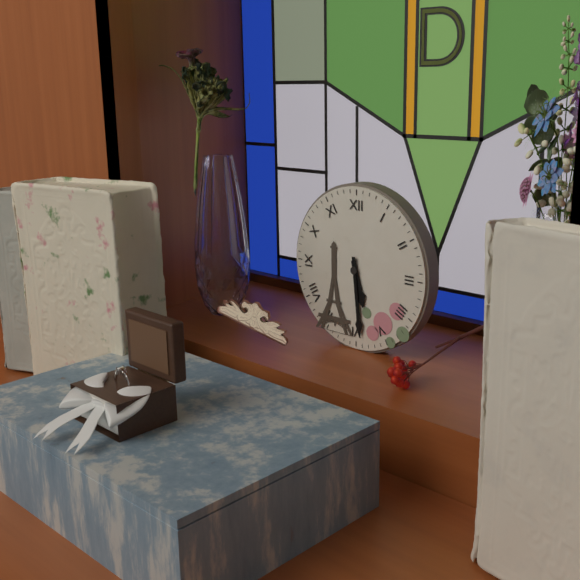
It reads 5:29
